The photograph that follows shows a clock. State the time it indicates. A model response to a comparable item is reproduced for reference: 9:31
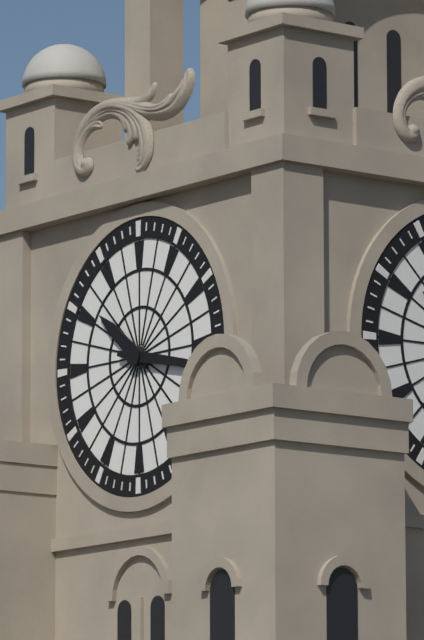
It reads 10:17
